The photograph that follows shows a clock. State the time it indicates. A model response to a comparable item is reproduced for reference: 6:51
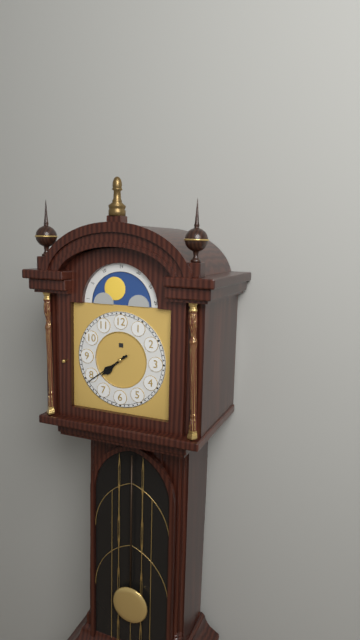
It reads 7:39
